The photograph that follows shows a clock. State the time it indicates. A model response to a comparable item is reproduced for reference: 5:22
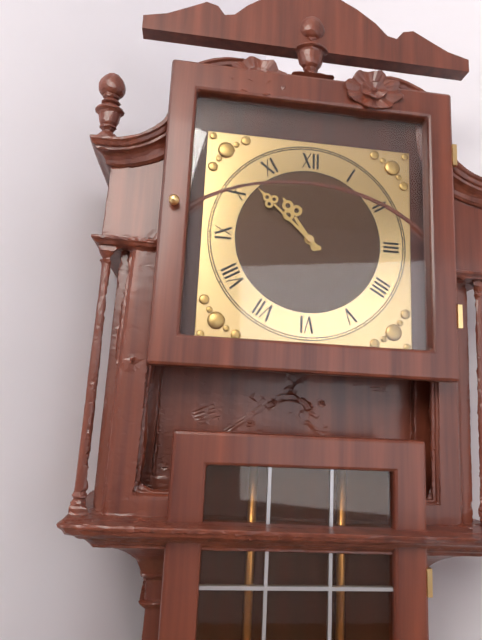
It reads 10:52
